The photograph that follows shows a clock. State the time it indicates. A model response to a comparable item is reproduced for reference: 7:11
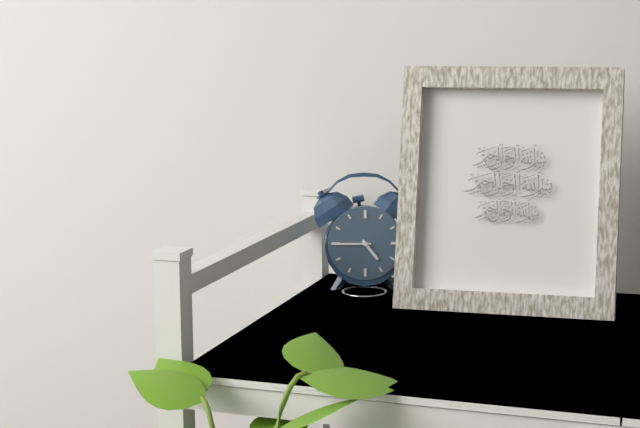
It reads 4:45
